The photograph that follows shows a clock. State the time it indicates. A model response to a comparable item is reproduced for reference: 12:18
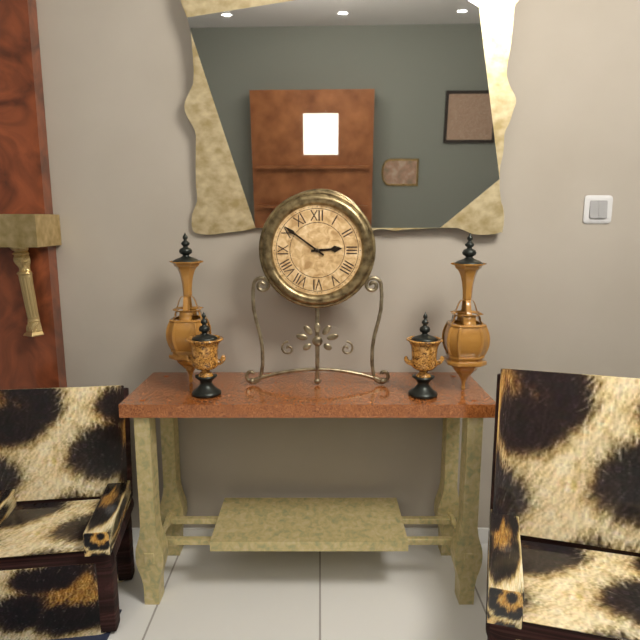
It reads 2:51
